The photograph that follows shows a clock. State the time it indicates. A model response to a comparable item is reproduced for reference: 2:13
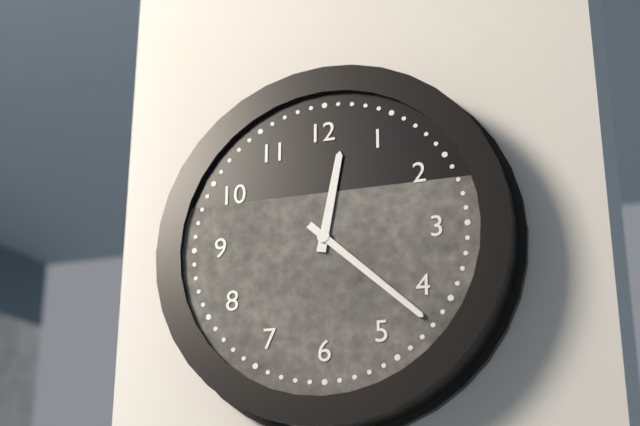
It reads 12:22
